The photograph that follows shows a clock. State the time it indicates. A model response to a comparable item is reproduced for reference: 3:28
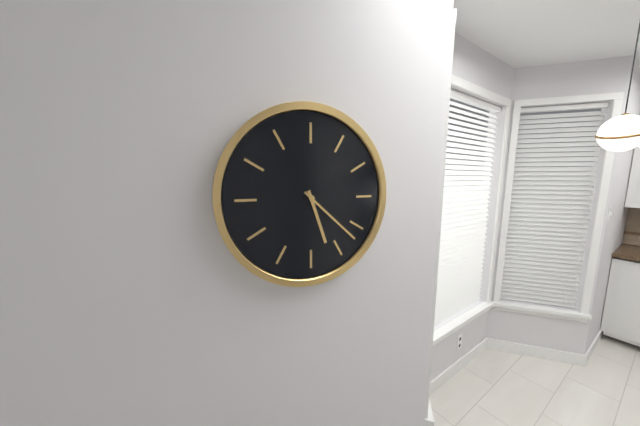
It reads 5:22
